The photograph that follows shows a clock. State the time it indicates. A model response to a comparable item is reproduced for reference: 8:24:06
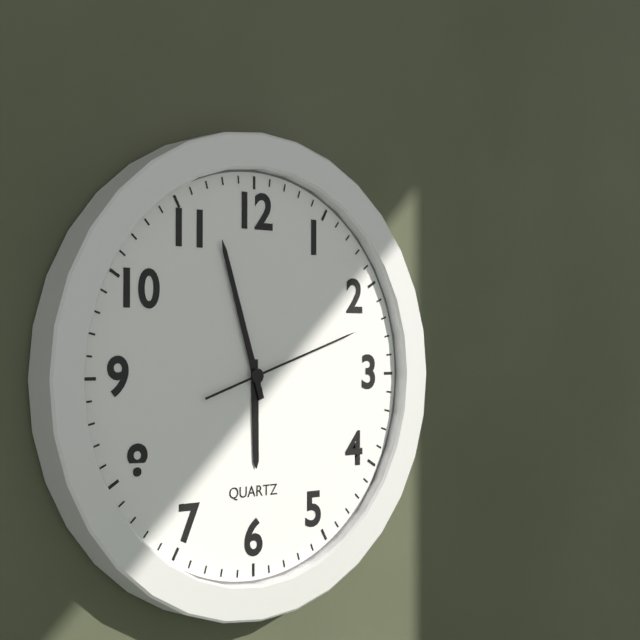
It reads 5:57:12
